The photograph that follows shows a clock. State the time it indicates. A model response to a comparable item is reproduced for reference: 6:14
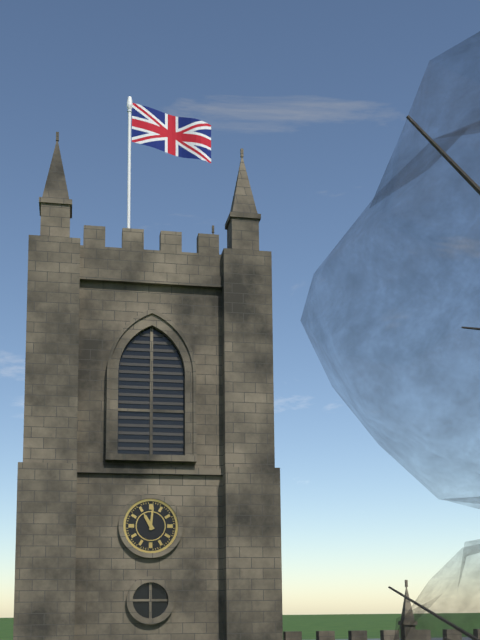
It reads 11:01
